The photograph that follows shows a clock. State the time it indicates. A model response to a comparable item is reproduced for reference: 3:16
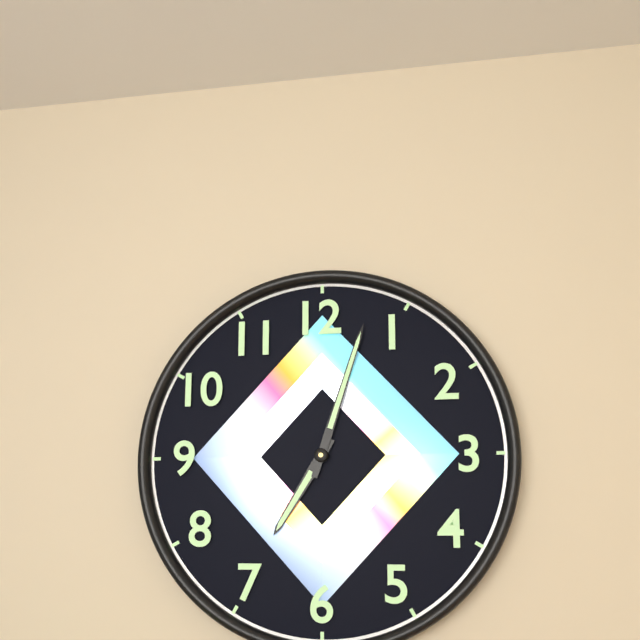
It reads 7:03
